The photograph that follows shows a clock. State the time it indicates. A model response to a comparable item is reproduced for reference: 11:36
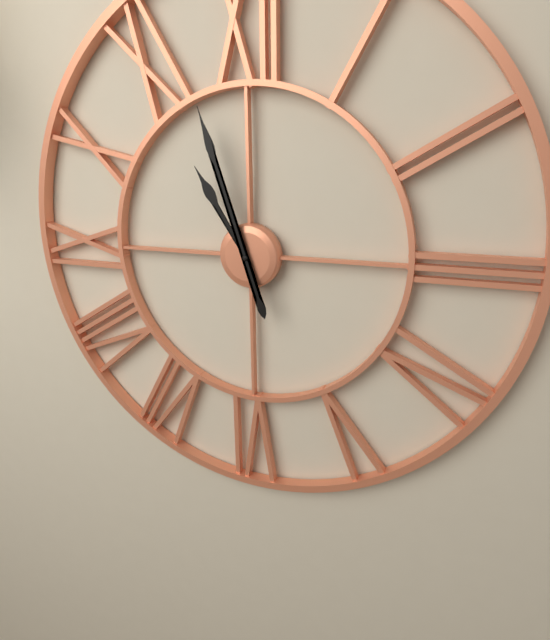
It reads 10:57
